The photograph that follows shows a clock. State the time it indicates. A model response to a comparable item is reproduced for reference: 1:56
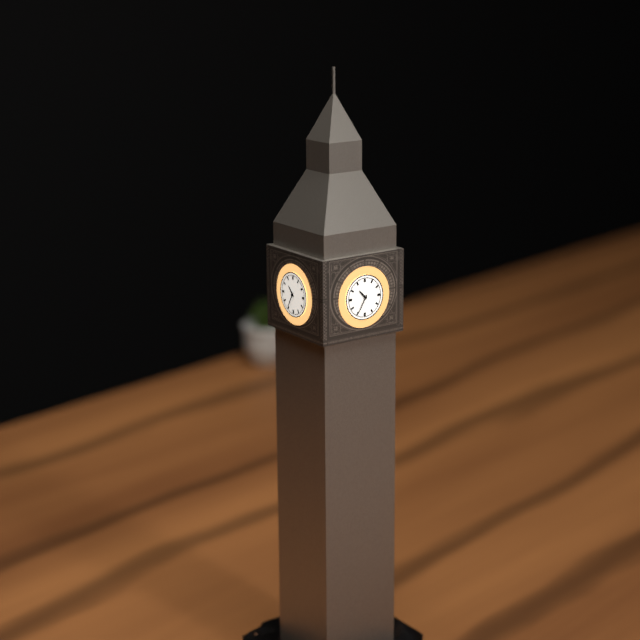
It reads 10:35
